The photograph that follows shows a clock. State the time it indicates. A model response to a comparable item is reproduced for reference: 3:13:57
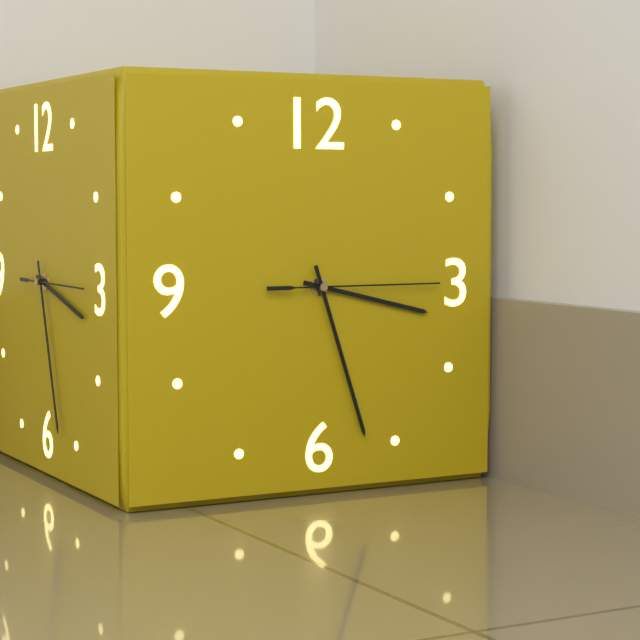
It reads 3:27:15
